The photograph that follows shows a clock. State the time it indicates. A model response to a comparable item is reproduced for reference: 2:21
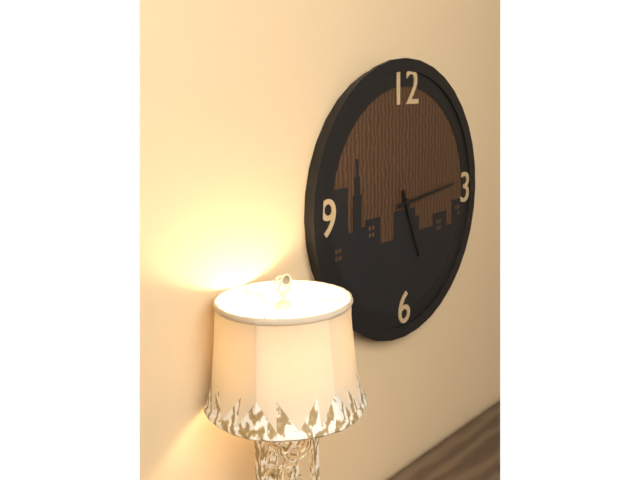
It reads 5:14
